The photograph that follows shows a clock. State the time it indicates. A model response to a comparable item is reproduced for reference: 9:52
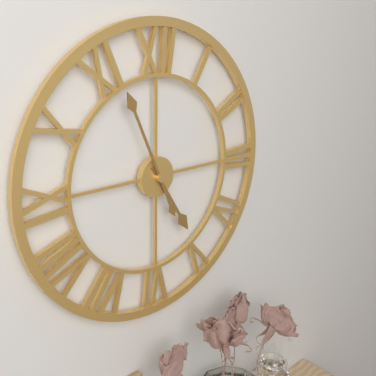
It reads 4:56
